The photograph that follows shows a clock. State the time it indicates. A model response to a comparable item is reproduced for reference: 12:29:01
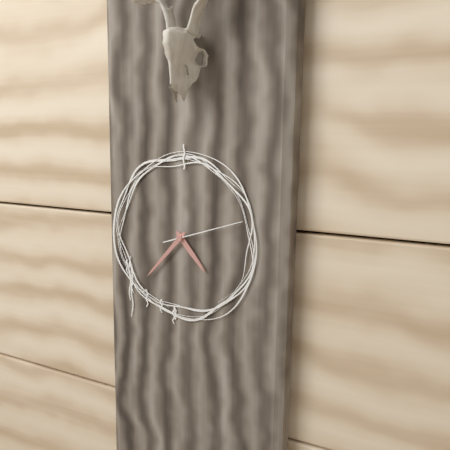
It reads 4:37:12
